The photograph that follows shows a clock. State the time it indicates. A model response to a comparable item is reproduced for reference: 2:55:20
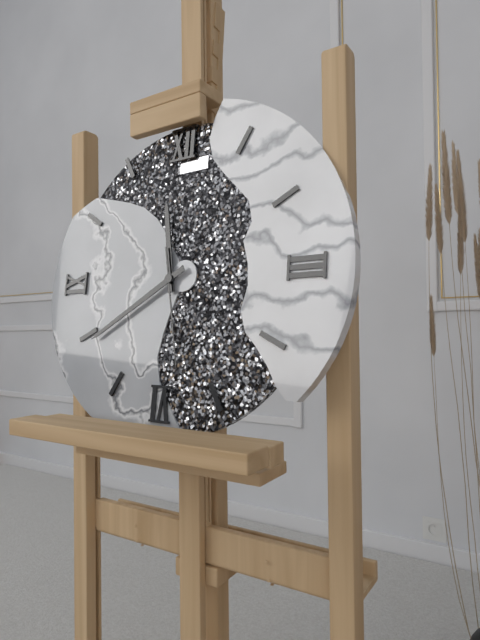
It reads 11:40:28
